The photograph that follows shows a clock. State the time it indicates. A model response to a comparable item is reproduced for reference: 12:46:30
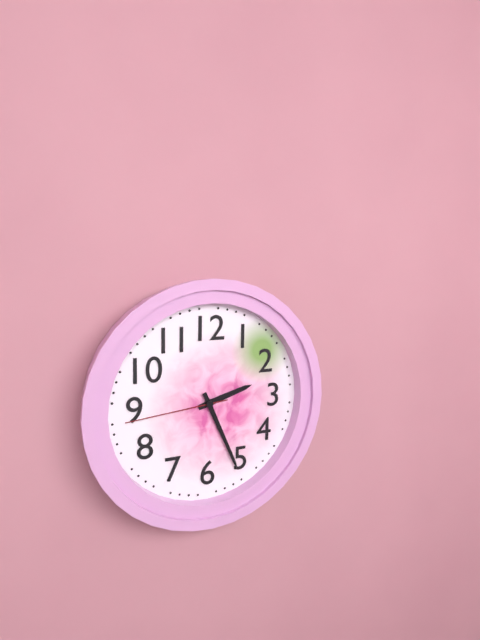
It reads 2:26:44
